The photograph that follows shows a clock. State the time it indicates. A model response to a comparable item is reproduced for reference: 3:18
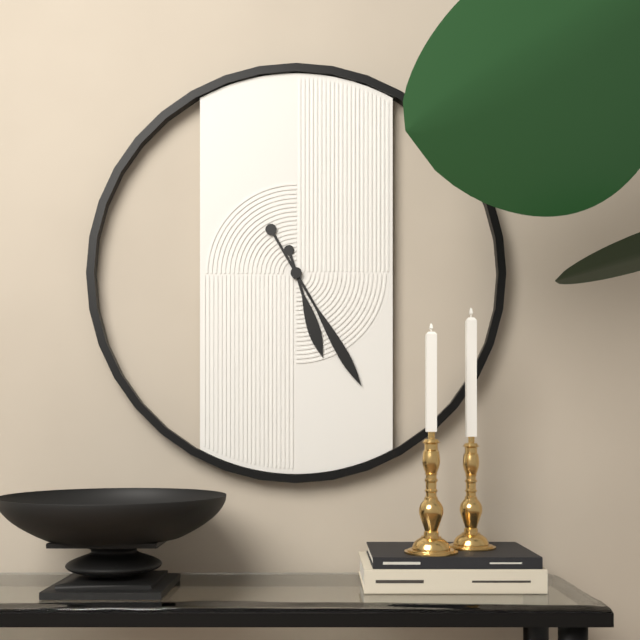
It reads 5:25
